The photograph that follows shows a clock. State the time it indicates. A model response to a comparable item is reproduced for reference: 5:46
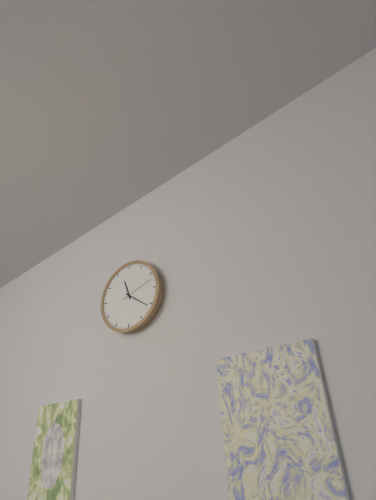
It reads 11:21
